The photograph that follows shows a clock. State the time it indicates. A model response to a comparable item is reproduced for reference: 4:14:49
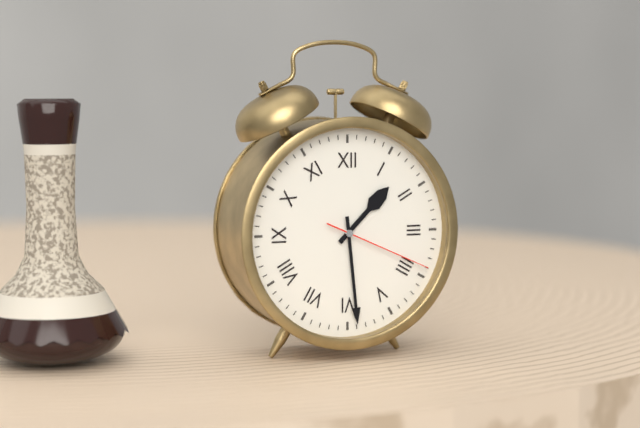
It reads 1:29:19
